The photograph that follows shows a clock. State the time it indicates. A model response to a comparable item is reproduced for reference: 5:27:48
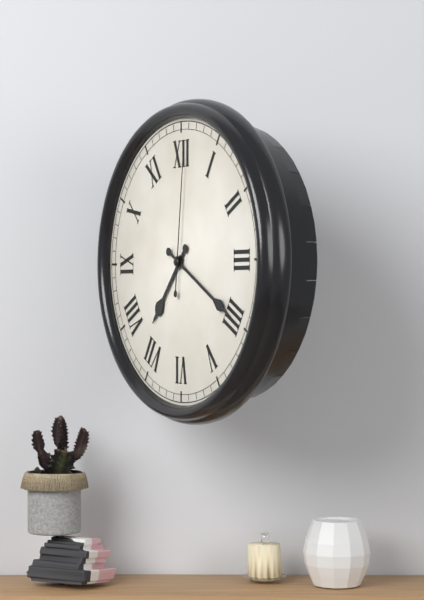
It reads 7:20:01
